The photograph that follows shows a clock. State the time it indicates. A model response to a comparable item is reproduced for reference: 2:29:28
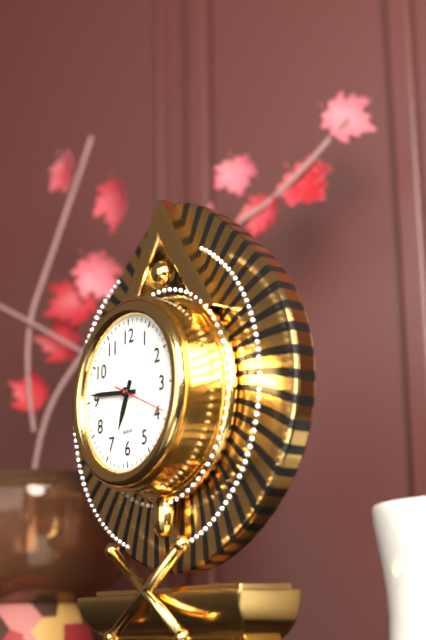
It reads 6:46:19
